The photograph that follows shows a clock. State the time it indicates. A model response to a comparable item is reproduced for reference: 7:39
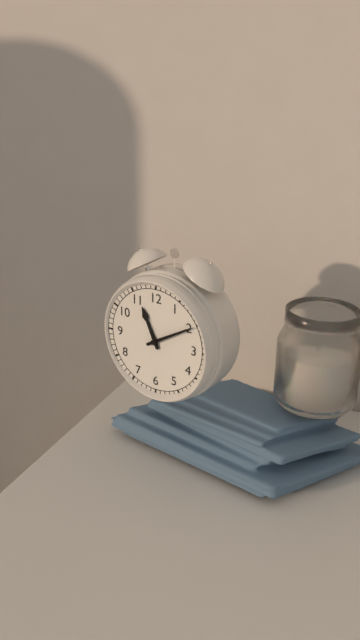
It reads 11:10
